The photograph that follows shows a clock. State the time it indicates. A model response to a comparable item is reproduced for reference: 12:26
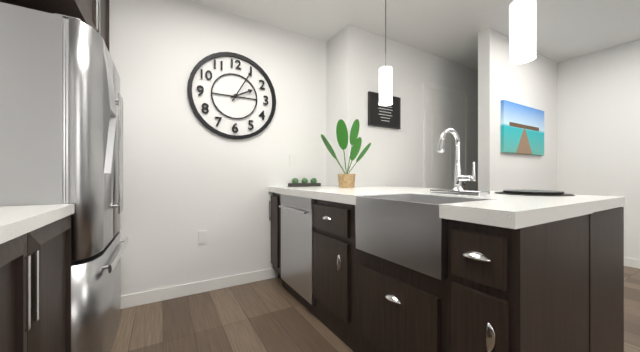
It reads 2:05
